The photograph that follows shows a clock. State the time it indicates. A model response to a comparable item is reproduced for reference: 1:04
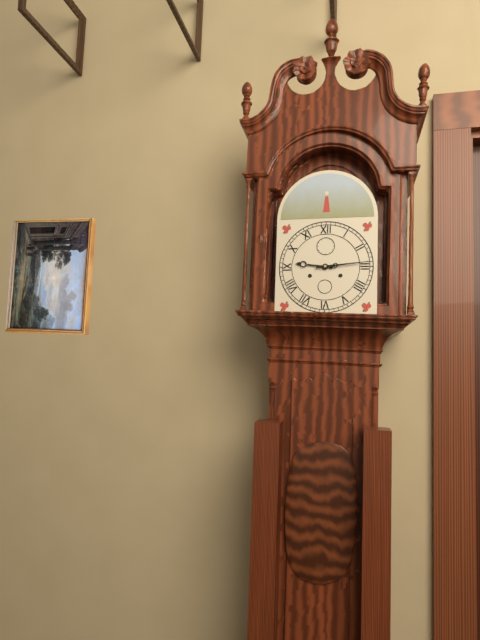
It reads 9:14
